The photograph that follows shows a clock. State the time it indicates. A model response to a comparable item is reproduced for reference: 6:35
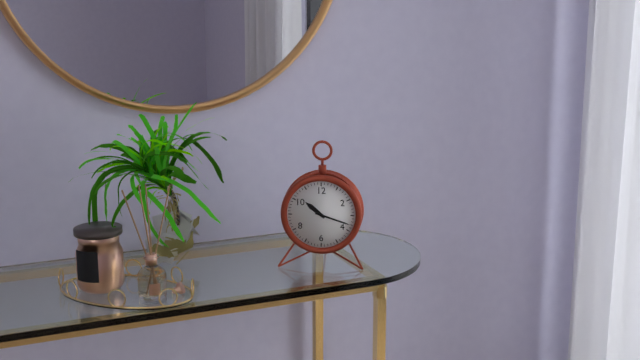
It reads 10:18
